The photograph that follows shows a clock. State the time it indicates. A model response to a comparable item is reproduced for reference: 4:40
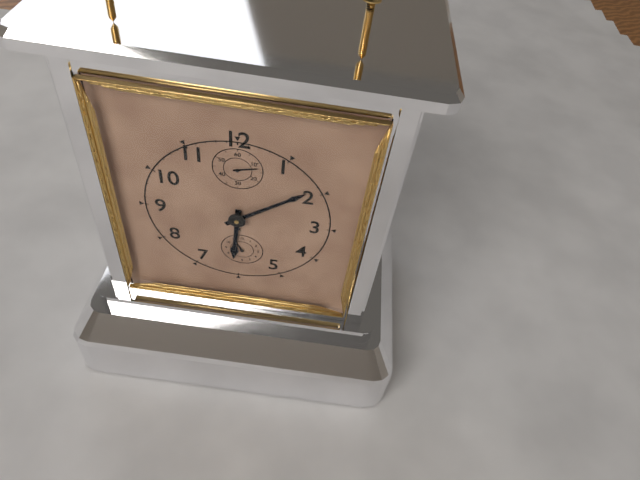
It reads 6:09
